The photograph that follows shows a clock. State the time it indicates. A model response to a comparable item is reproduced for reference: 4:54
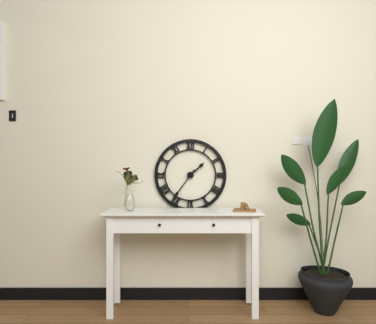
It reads 1:36
